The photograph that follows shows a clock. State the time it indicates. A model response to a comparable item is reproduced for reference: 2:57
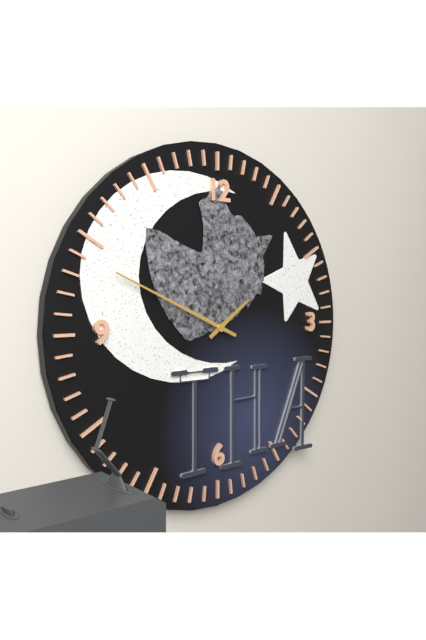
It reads 1:49
